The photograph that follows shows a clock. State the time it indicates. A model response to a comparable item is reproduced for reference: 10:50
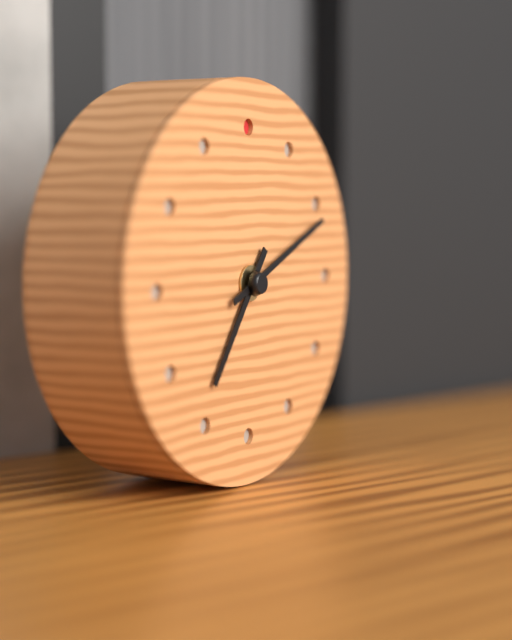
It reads 7:11
